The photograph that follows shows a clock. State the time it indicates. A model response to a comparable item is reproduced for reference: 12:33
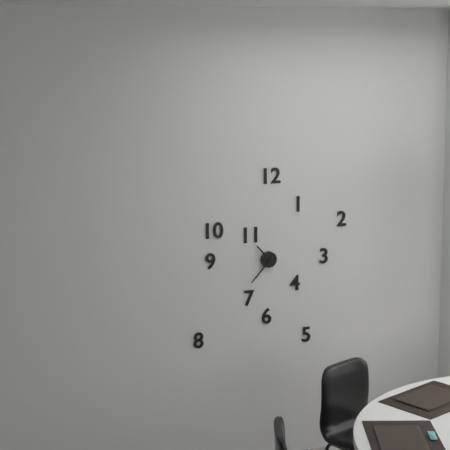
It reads 10:37
